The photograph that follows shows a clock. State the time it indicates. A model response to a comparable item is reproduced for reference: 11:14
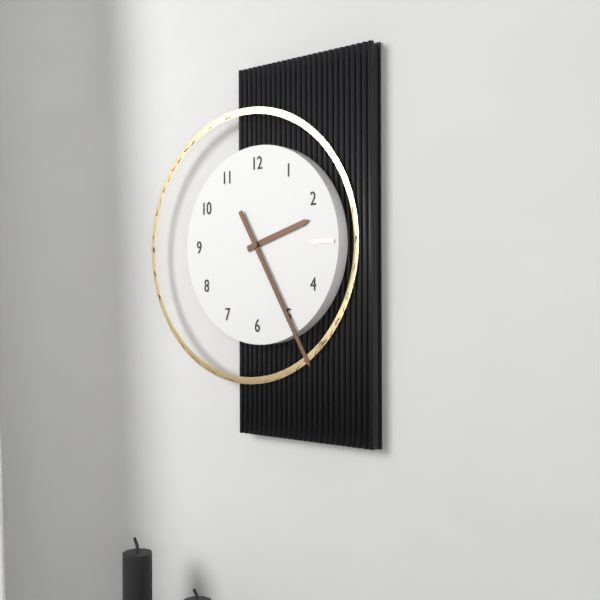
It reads 2:25
